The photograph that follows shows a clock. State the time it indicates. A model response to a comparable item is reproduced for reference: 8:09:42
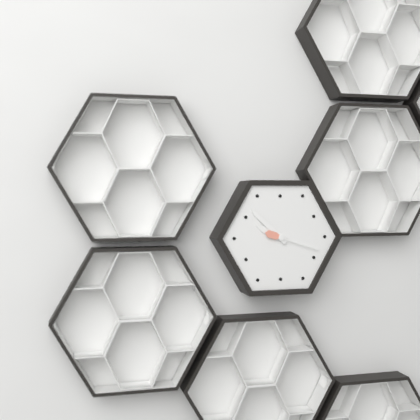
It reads 9:52:18
